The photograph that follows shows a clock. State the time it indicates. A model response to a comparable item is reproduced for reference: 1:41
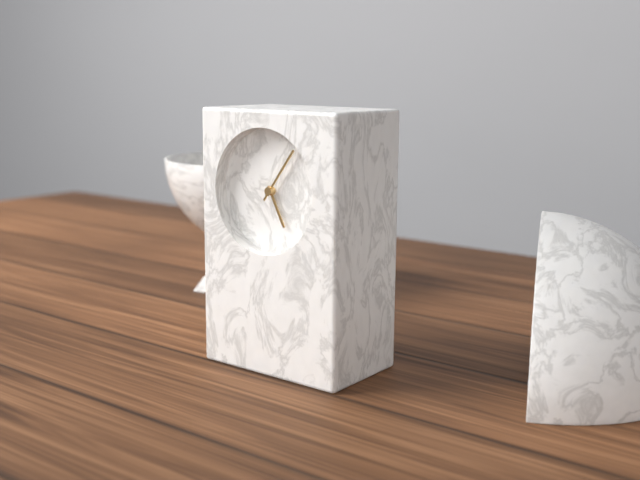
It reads 5:06
